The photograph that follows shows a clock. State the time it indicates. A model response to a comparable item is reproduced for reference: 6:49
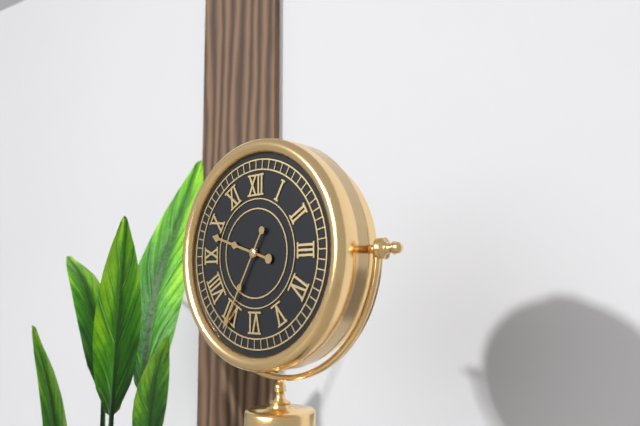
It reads 9:35
